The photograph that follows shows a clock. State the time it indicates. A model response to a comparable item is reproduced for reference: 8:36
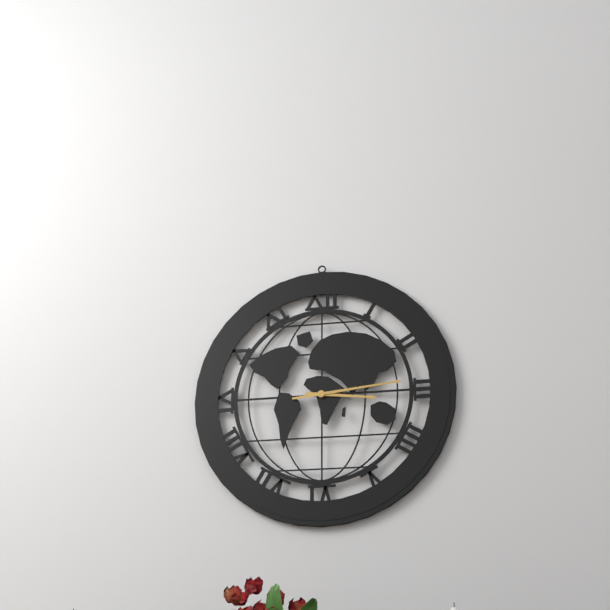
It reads 3:14
